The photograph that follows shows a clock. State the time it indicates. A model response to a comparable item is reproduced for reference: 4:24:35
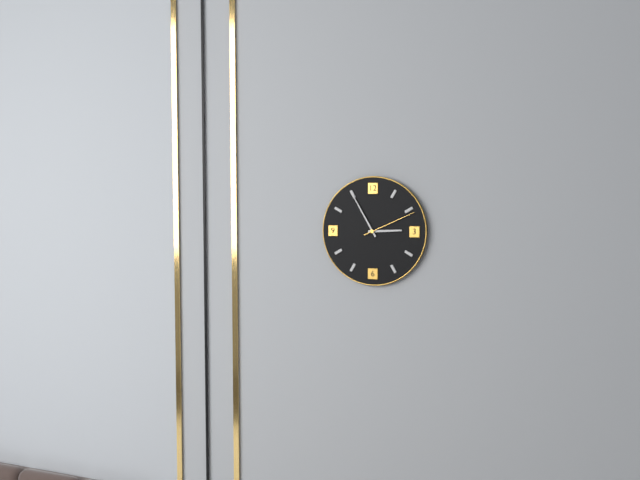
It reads 2:55:11
